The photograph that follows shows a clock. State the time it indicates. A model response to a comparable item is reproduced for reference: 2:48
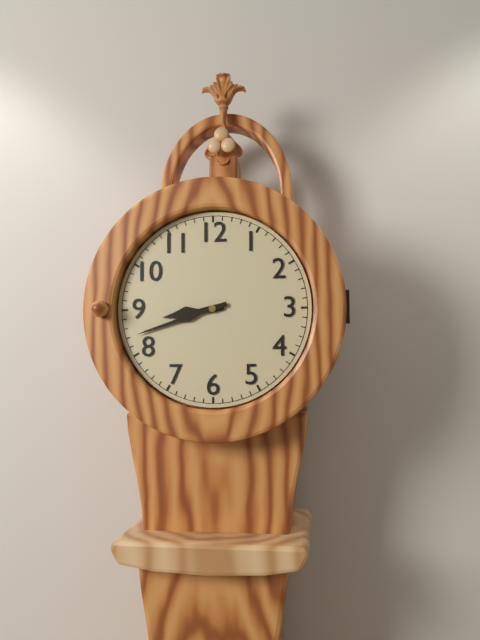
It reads 8:42
